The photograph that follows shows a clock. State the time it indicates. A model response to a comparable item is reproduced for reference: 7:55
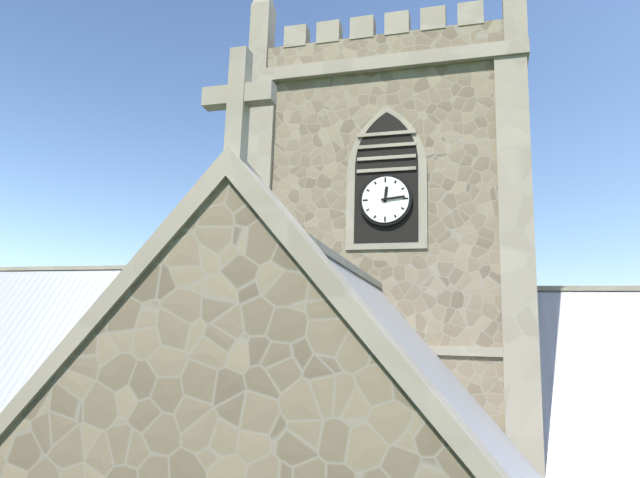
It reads 12:14
